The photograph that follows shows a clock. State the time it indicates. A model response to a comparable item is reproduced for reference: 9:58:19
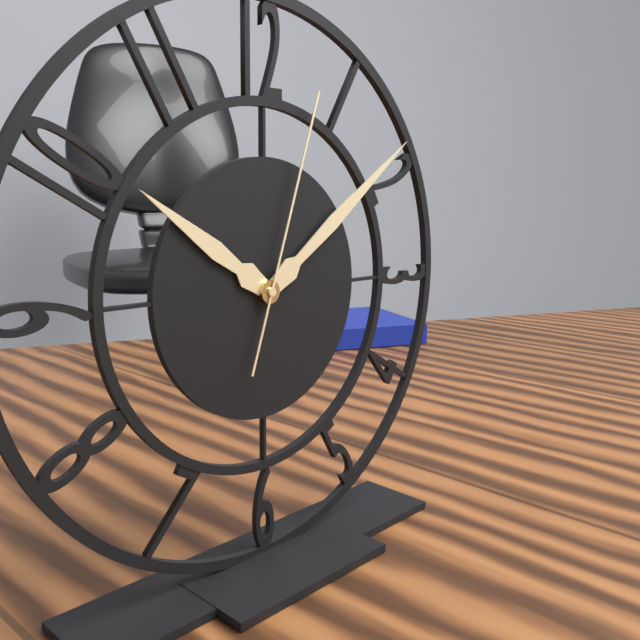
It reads 10:09:03
